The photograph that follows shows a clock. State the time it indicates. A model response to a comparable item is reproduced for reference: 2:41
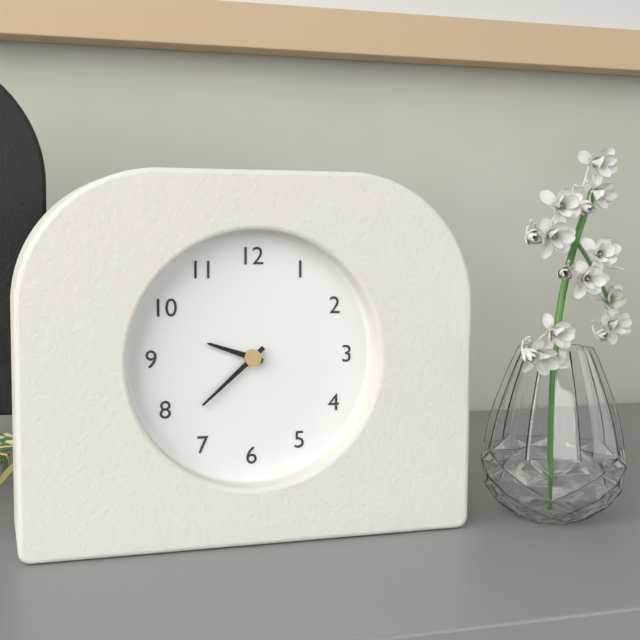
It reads 9:38
